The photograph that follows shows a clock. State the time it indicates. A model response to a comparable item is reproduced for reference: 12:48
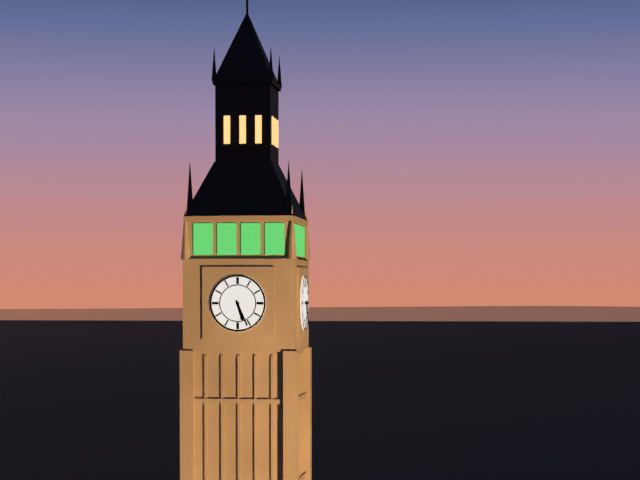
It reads 5:26
